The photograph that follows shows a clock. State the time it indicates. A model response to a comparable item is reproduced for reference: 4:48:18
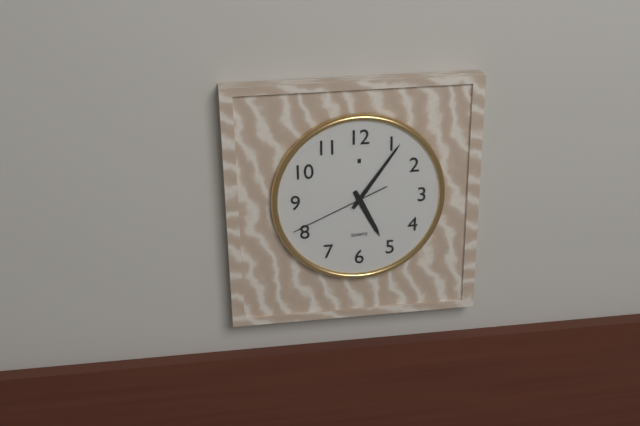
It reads 5:06:41
